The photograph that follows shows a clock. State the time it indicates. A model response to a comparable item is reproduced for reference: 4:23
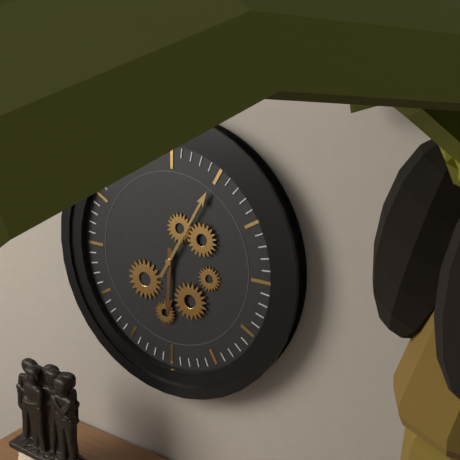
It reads 6:05
